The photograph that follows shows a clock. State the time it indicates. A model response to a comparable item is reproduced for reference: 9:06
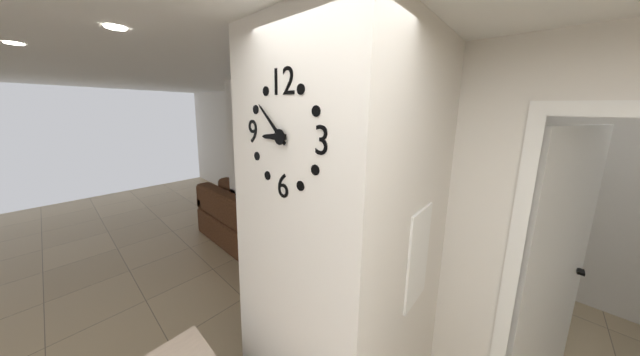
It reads 8:52
